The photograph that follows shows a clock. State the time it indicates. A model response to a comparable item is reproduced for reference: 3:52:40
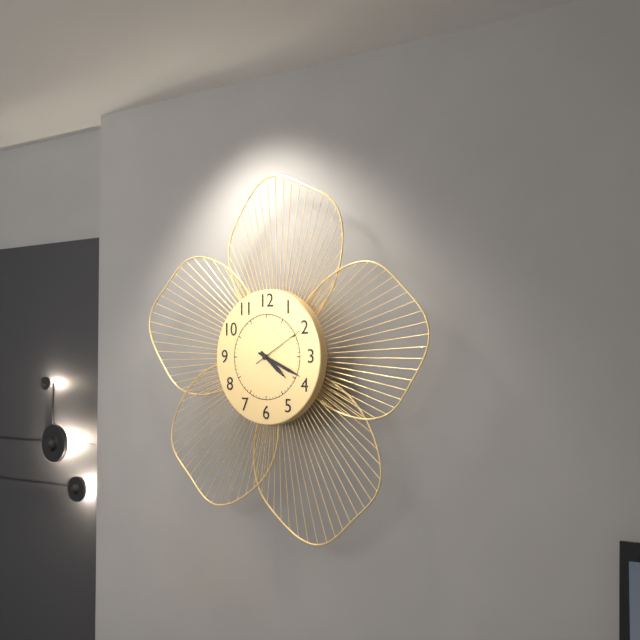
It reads 4:19:10
